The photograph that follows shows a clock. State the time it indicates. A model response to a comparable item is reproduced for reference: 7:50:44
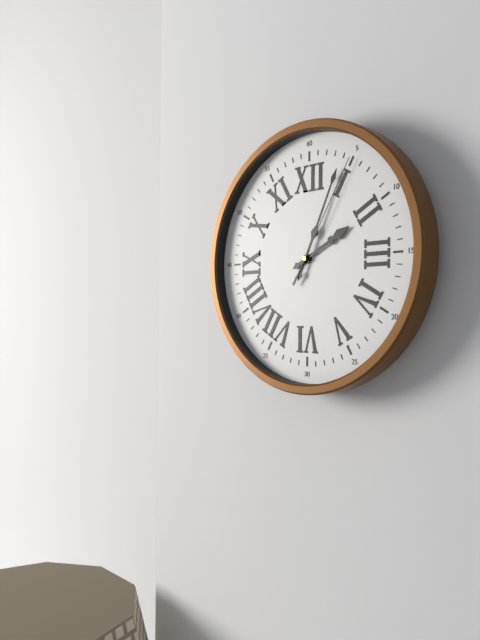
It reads 2:04:05
